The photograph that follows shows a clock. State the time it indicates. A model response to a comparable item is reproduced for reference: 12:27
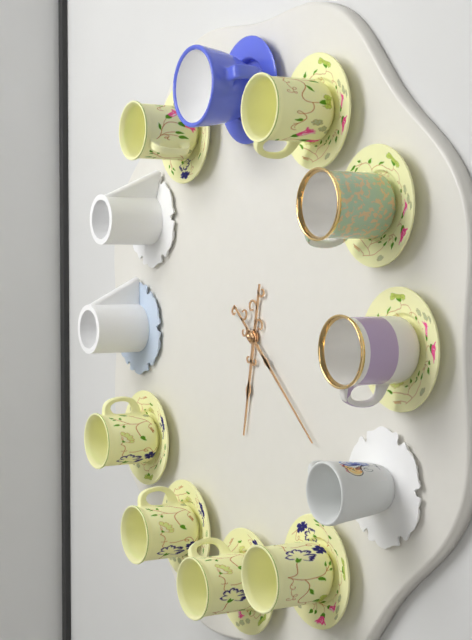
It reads 6:22
